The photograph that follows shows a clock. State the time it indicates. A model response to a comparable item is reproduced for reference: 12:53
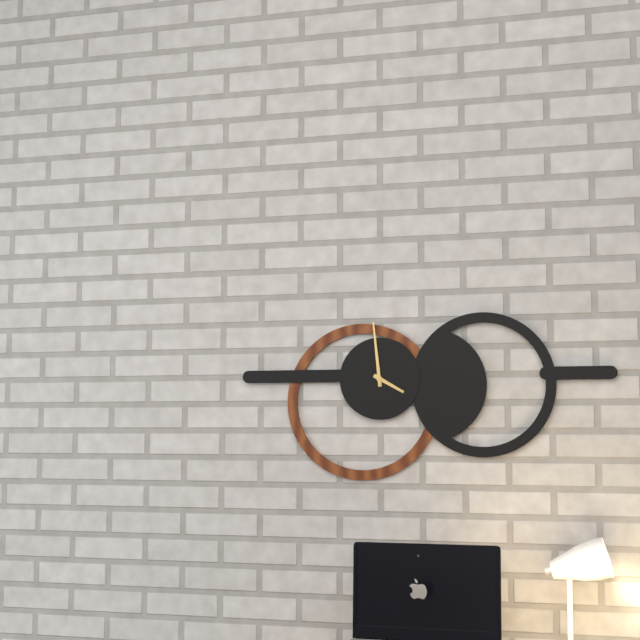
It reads 3:59
